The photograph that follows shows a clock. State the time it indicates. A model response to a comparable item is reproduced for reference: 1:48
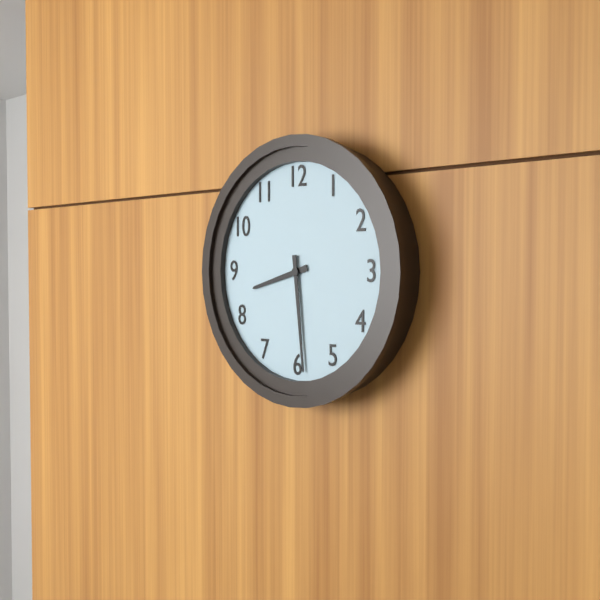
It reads 8:29
